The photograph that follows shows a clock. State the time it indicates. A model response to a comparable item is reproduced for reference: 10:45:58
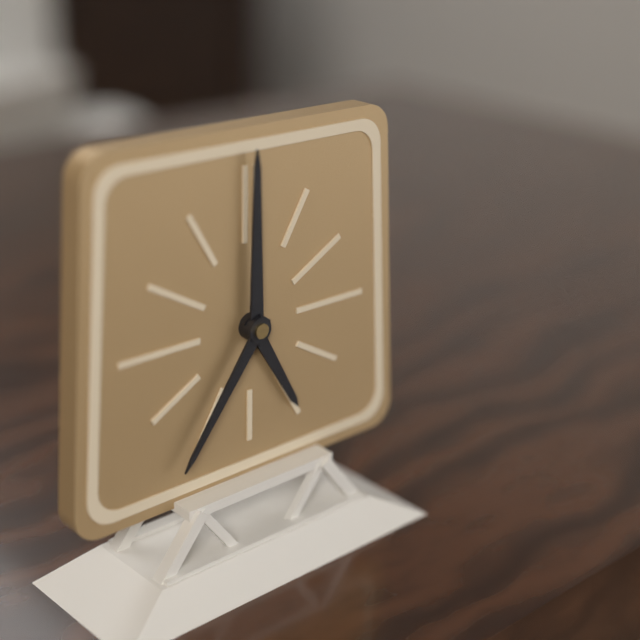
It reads 5:00:36
